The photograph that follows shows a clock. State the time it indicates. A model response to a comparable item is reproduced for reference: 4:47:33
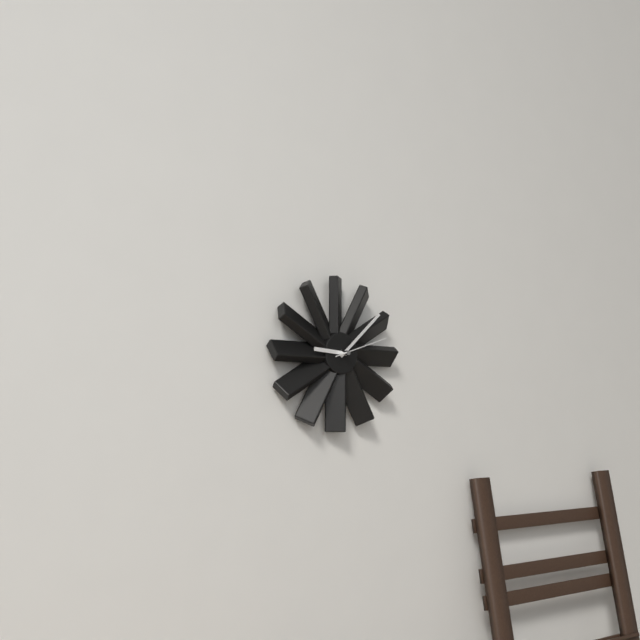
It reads 9:08:12
